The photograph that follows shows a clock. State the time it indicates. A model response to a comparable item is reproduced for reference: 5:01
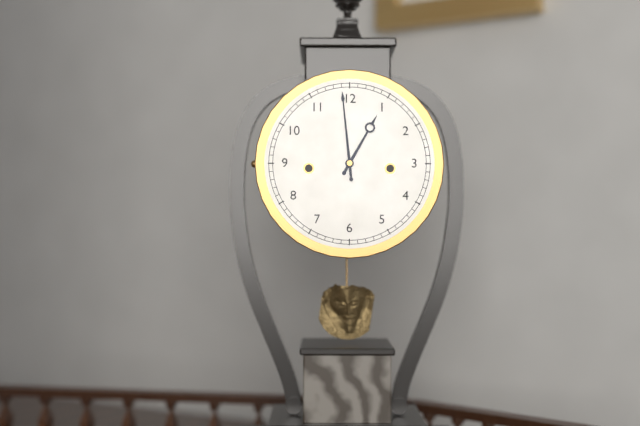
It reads 12:59
